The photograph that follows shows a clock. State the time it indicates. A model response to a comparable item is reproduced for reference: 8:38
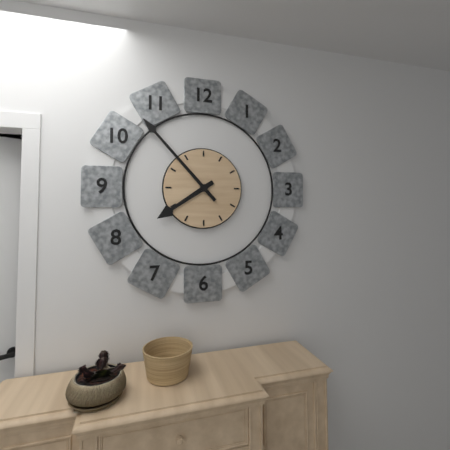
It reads 7:53
